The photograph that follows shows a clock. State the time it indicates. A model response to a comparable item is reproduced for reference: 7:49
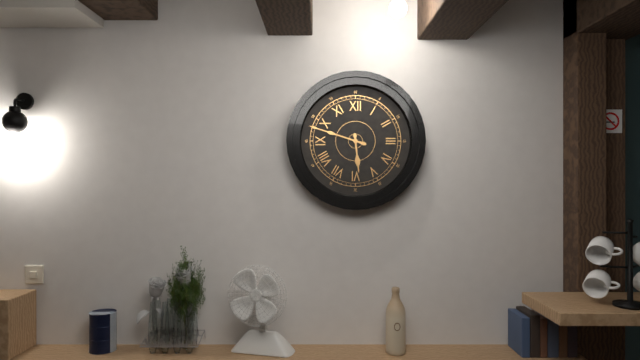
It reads 5:48
